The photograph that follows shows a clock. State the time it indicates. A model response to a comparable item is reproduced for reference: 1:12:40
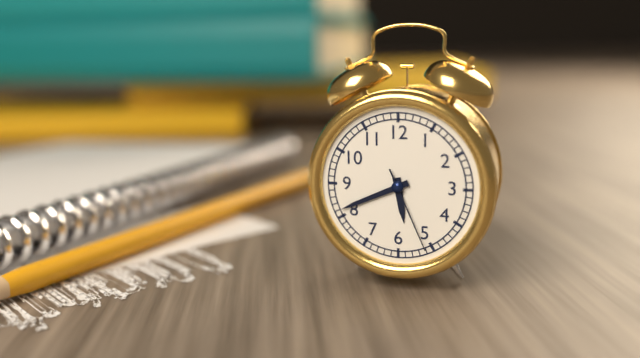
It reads 5:41:26
